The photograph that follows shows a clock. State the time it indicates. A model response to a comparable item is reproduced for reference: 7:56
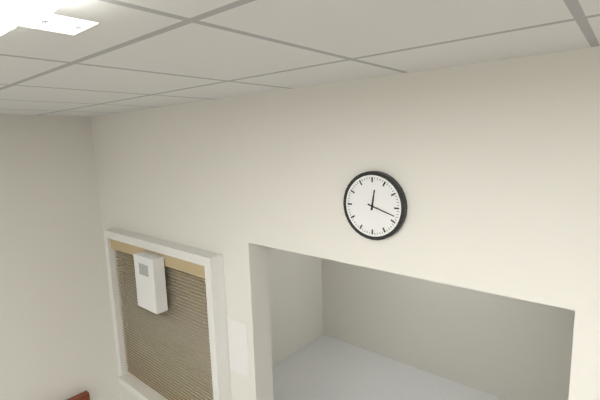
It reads 12:18
